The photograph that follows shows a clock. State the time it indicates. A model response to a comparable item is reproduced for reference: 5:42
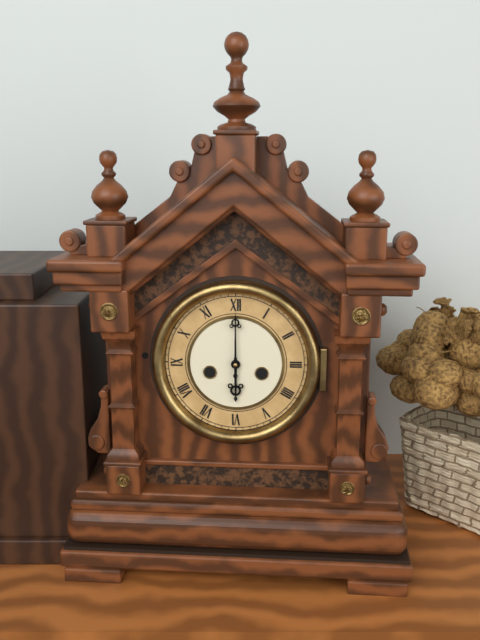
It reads 6:00
